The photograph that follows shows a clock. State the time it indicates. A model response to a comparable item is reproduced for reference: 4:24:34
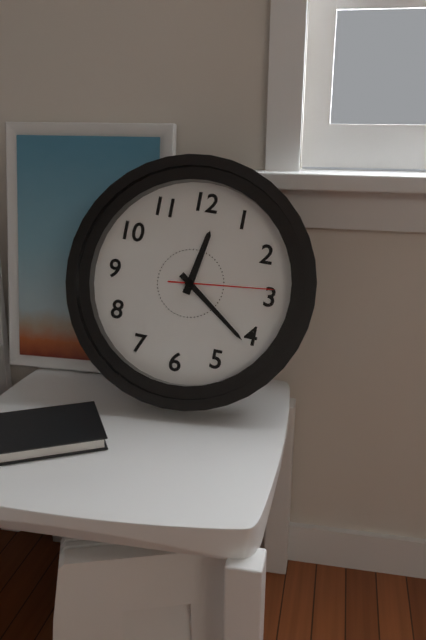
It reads 12:21:14
